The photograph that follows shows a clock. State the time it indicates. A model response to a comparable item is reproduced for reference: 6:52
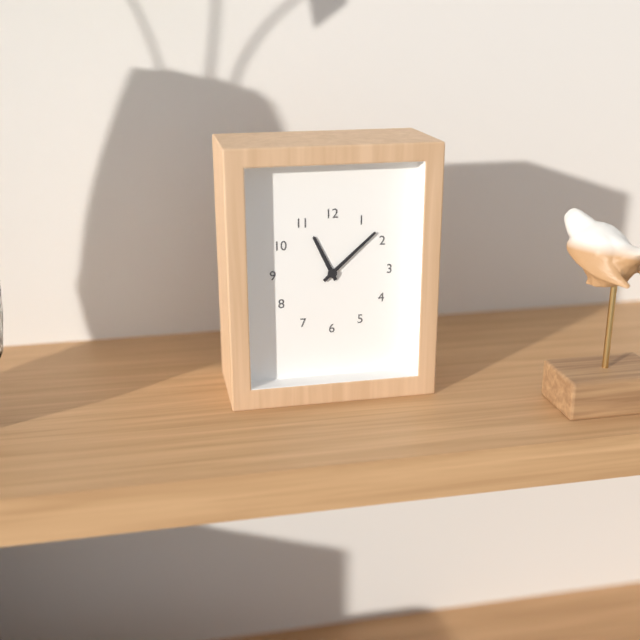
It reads 11:08
